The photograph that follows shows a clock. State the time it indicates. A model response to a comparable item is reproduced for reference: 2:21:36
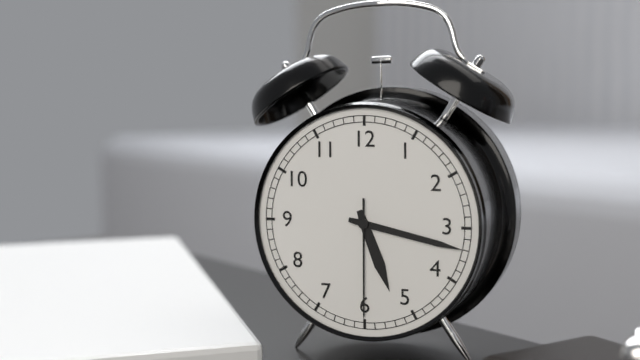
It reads 5:17:30
